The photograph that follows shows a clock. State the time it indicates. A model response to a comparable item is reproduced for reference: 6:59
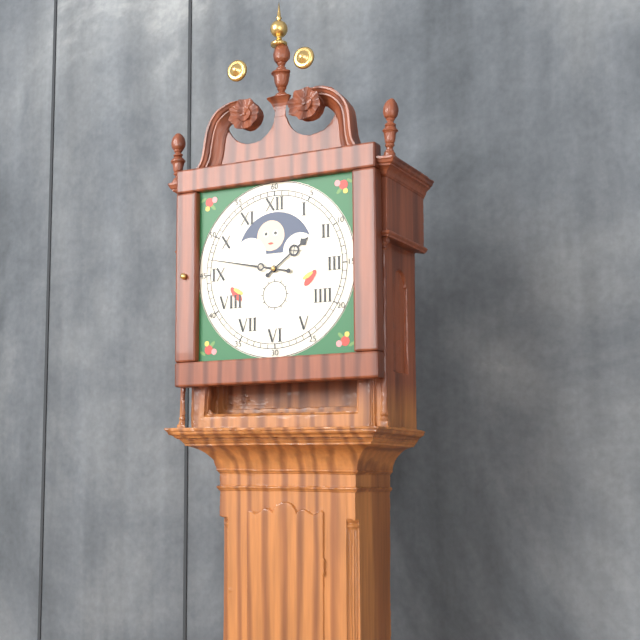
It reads 1:47
